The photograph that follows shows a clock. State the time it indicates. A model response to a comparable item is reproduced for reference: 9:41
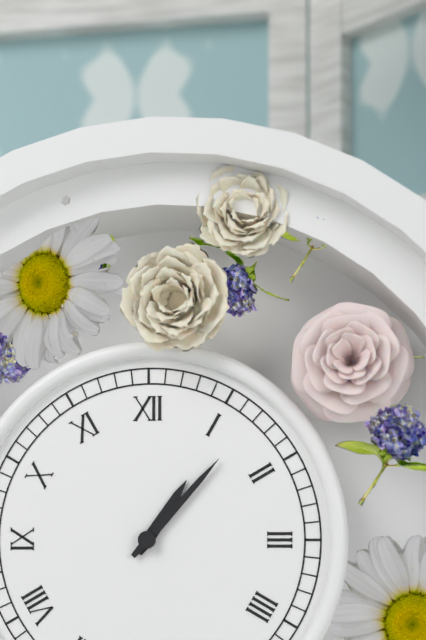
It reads 1:07
